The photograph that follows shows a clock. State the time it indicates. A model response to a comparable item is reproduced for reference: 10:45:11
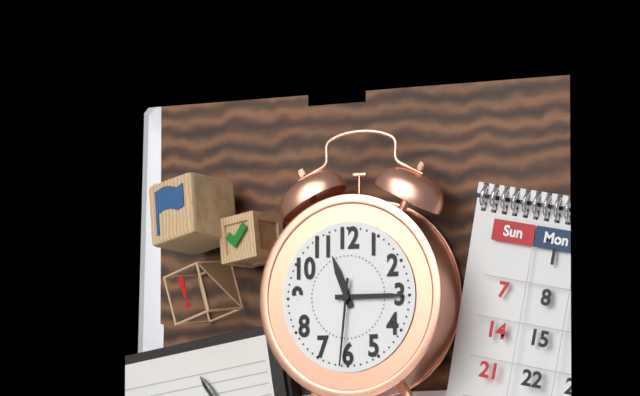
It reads 11:15:31
